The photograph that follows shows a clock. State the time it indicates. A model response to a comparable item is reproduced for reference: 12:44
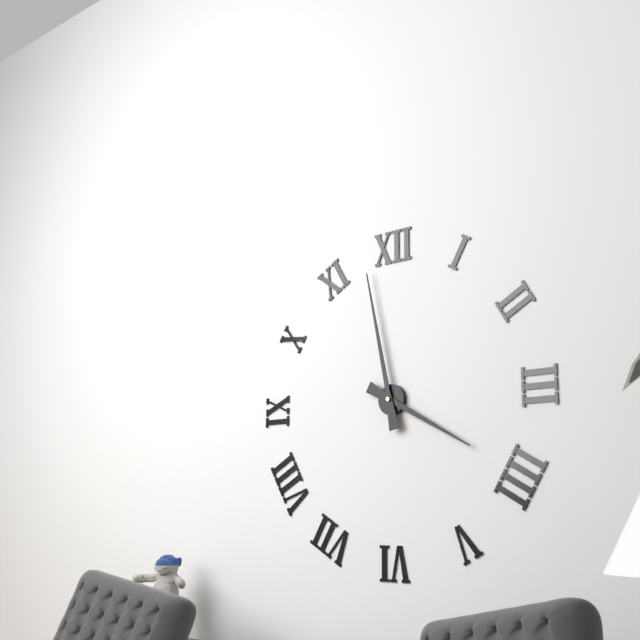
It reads 3:58
